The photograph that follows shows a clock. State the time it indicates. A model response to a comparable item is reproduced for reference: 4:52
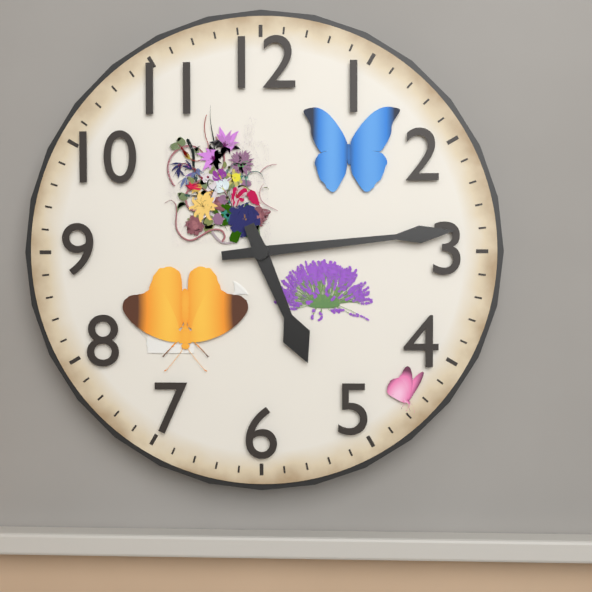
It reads 5:14
